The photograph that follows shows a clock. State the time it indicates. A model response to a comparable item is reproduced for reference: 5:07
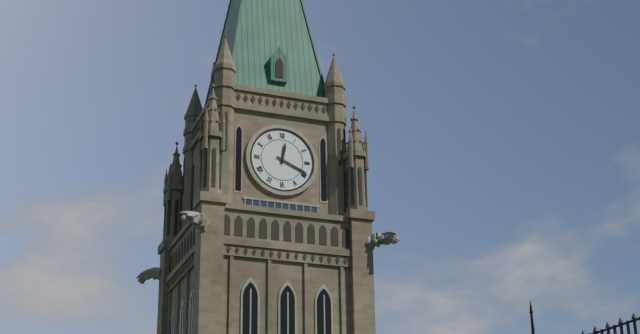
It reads 12:19
